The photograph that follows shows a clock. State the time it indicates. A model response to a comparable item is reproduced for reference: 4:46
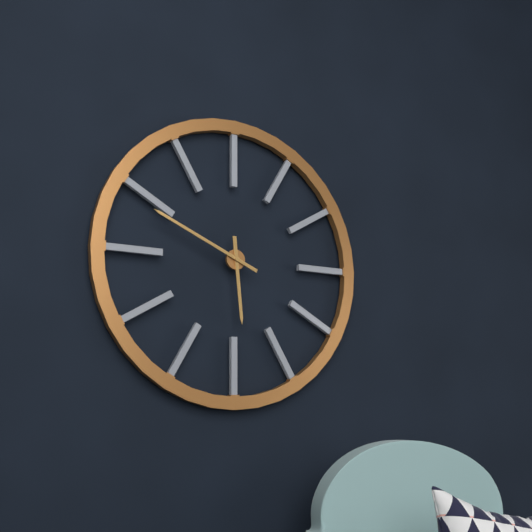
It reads 5:49
